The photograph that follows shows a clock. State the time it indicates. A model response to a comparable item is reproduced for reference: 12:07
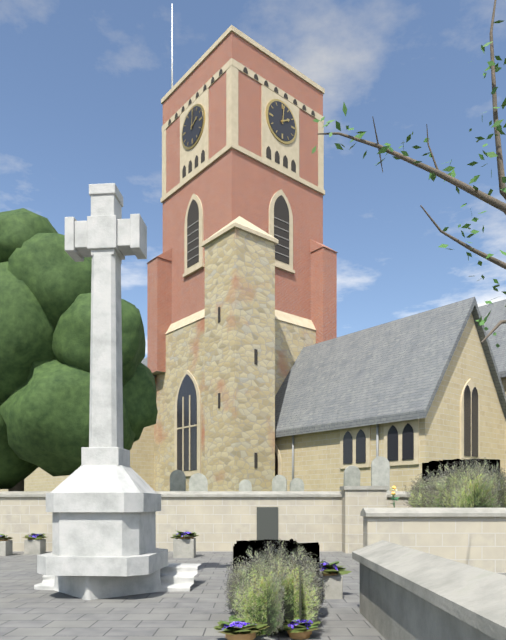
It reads 2:01
